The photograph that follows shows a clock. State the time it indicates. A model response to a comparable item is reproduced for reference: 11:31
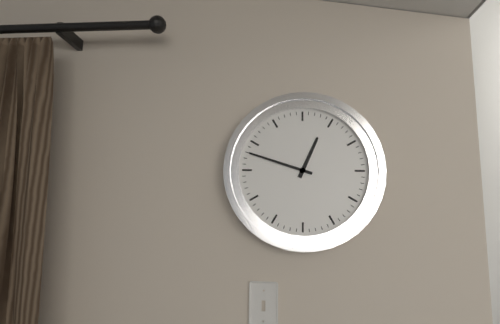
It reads 12:48
